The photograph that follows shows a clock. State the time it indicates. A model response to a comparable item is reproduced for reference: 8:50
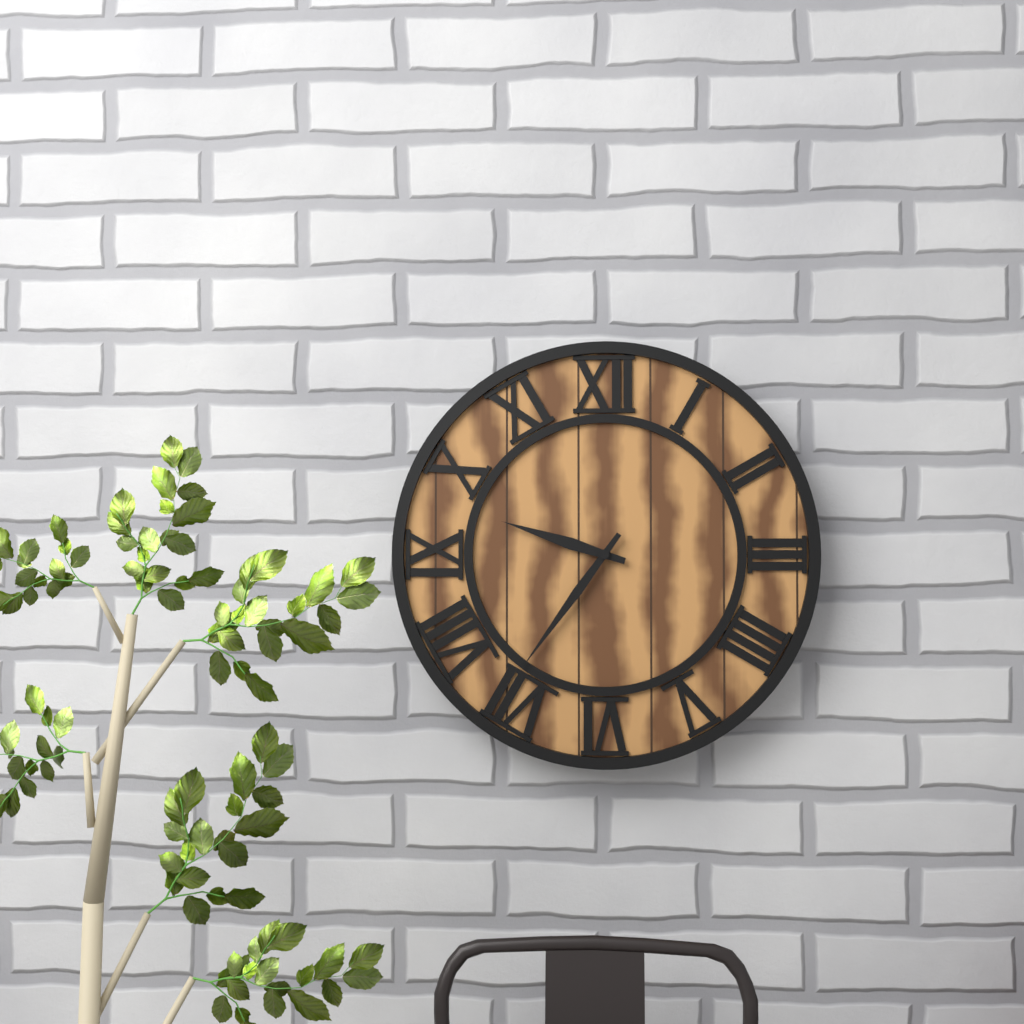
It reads 9:36
